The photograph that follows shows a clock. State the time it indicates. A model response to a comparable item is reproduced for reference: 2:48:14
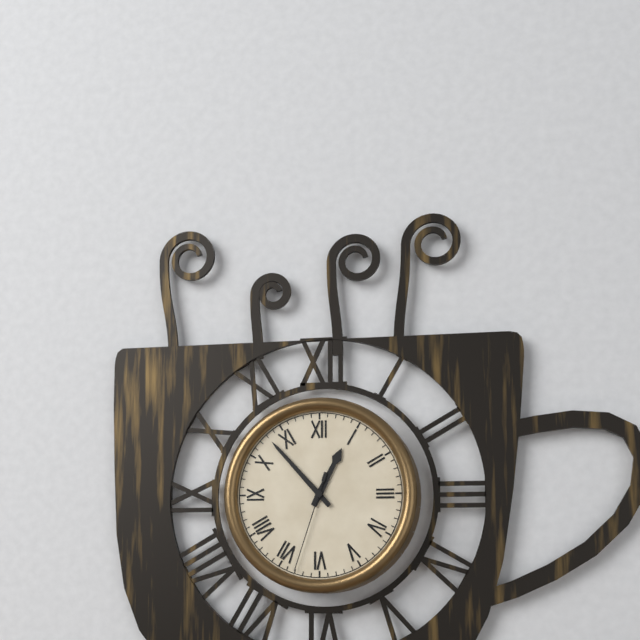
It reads 12:53:33
